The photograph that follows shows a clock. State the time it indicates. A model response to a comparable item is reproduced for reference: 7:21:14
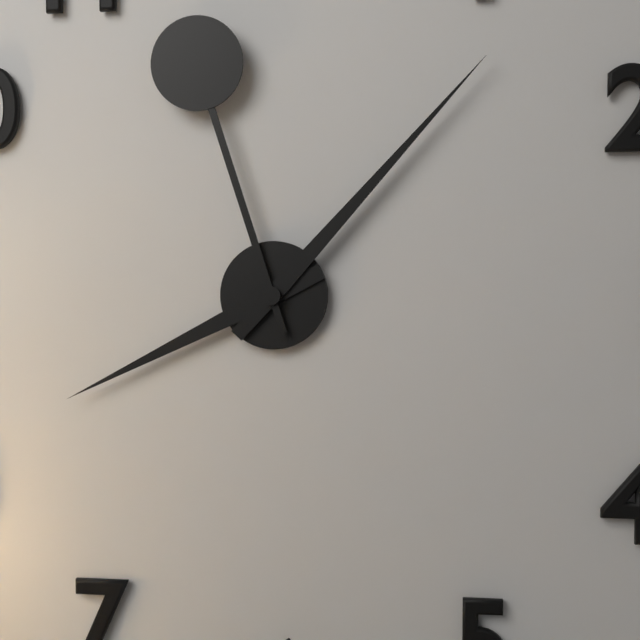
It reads 8:07:57
